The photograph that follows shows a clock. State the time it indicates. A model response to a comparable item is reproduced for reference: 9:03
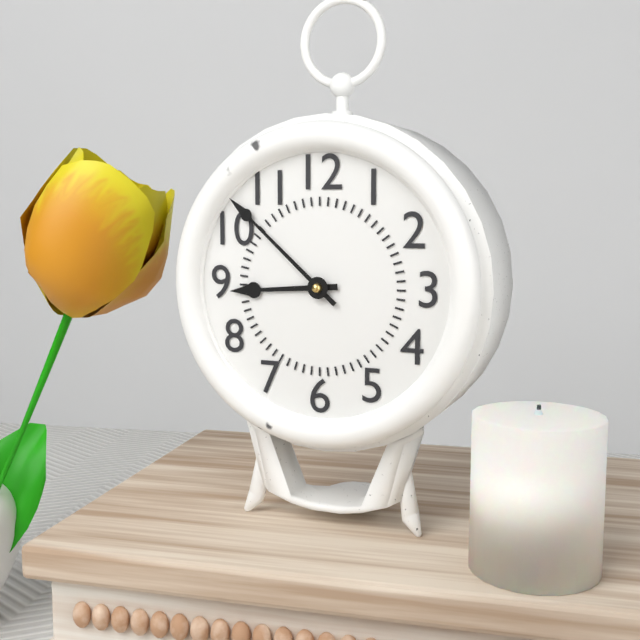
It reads 8:52
